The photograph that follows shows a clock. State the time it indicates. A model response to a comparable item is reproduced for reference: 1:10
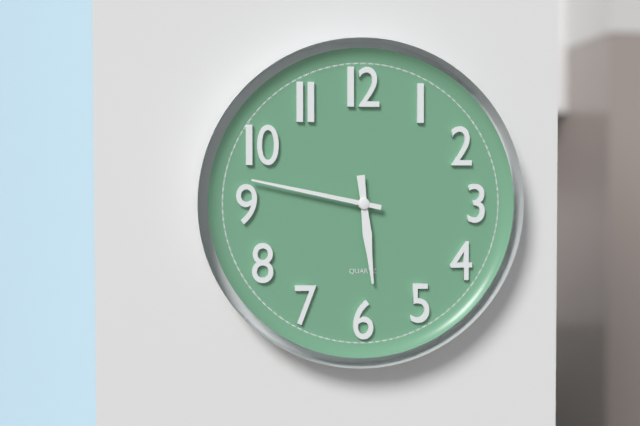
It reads 5:47
